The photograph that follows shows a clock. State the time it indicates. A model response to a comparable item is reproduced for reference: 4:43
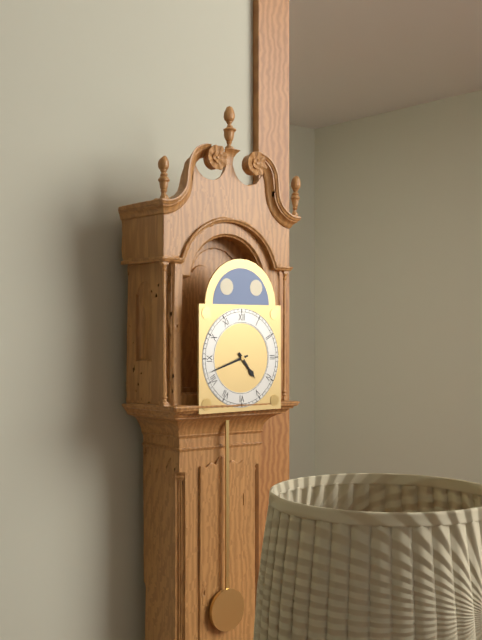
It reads 4:42
